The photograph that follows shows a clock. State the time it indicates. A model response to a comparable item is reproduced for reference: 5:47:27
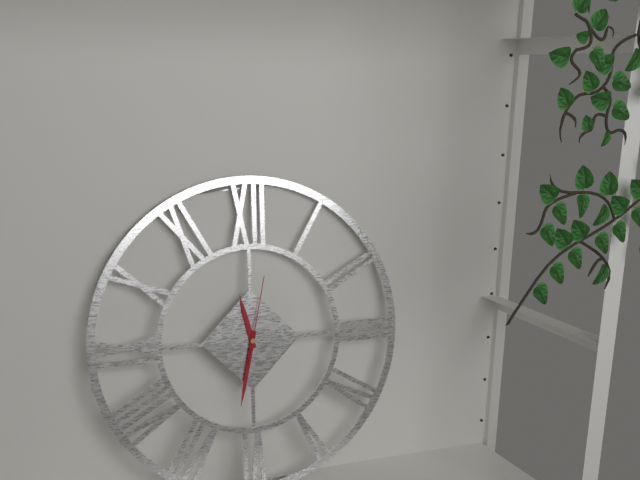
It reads 11:32:02
